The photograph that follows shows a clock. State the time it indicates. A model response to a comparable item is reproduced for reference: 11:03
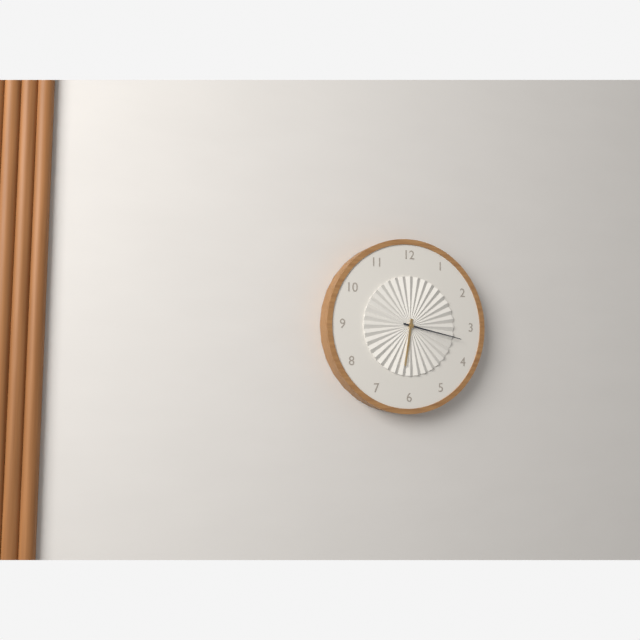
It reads 6:17
